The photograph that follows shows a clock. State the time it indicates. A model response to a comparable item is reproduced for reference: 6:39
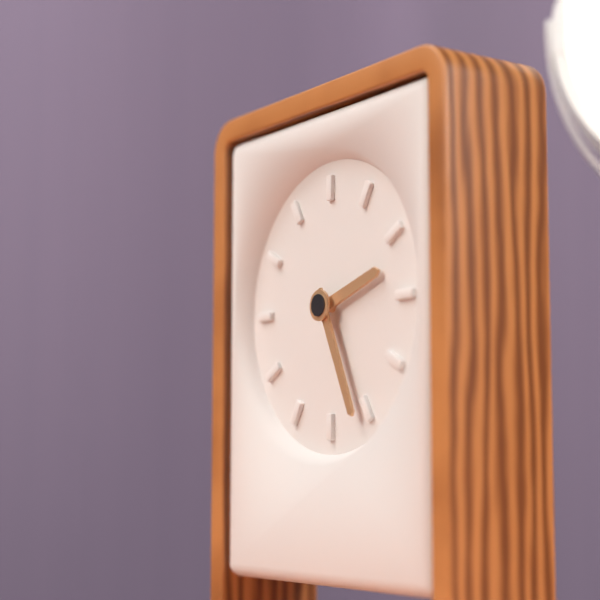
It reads 2:26
